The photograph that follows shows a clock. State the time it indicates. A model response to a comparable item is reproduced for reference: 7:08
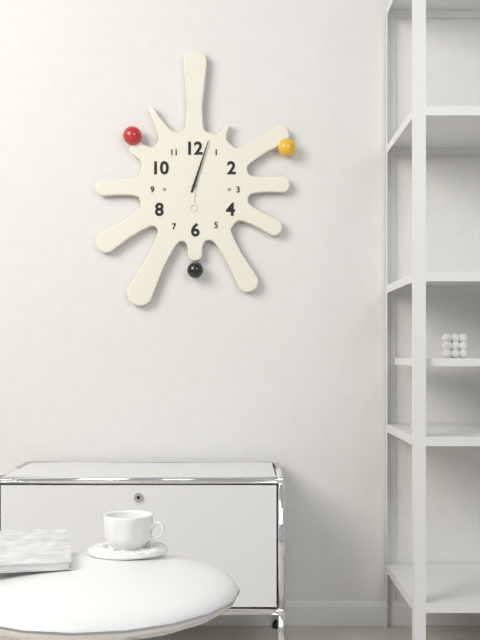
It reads 6:03
